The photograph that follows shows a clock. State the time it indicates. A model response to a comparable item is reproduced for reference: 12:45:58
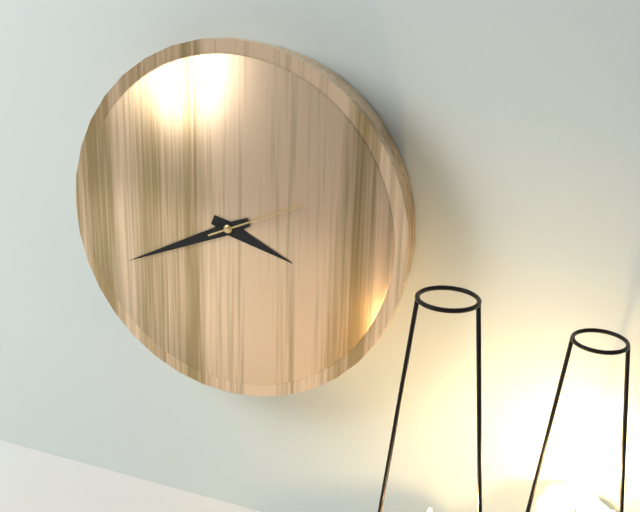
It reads 3:41:11
